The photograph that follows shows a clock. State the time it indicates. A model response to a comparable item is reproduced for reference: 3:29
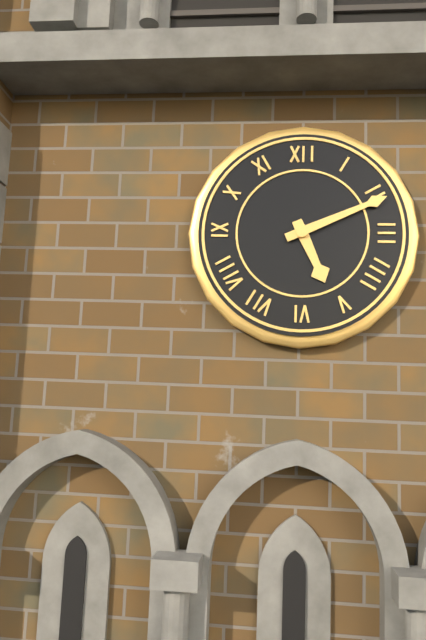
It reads 5:11
